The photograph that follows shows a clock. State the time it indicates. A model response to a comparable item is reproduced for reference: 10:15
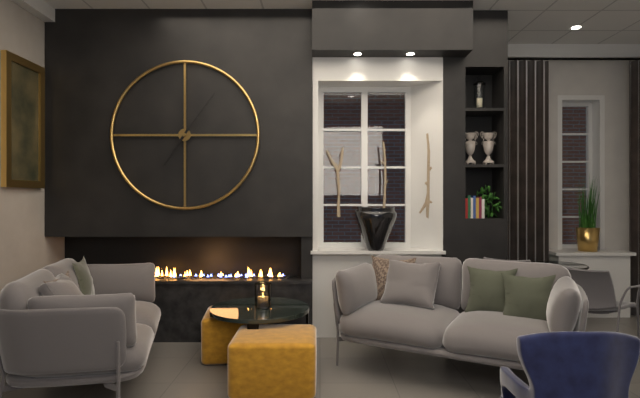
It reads 7:06
